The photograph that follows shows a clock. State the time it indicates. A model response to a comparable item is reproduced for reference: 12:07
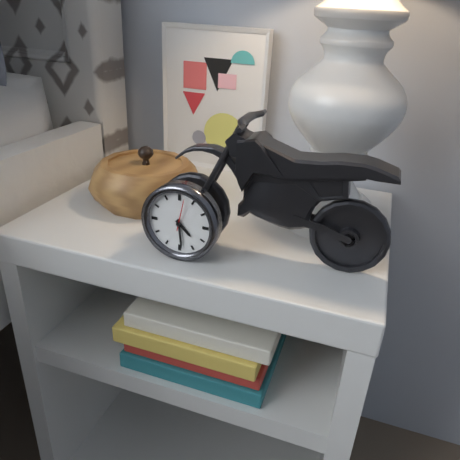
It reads 4:29
